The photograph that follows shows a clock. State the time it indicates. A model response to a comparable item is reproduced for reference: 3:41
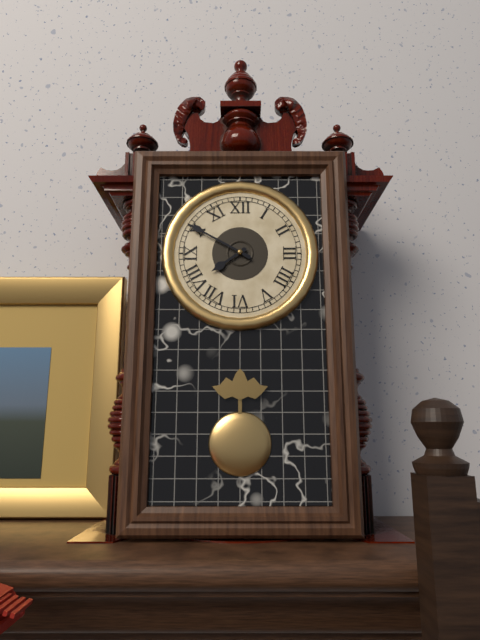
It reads 7:50
